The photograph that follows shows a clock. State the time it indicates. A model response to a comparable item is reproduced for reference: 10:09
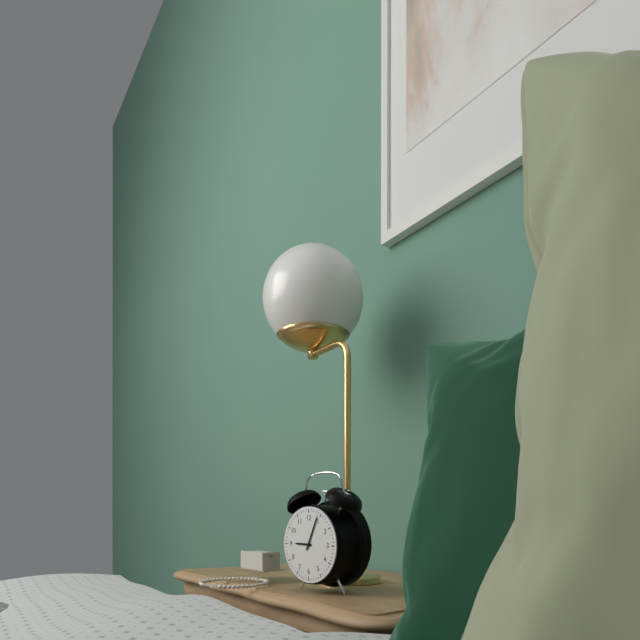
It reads 9:04
